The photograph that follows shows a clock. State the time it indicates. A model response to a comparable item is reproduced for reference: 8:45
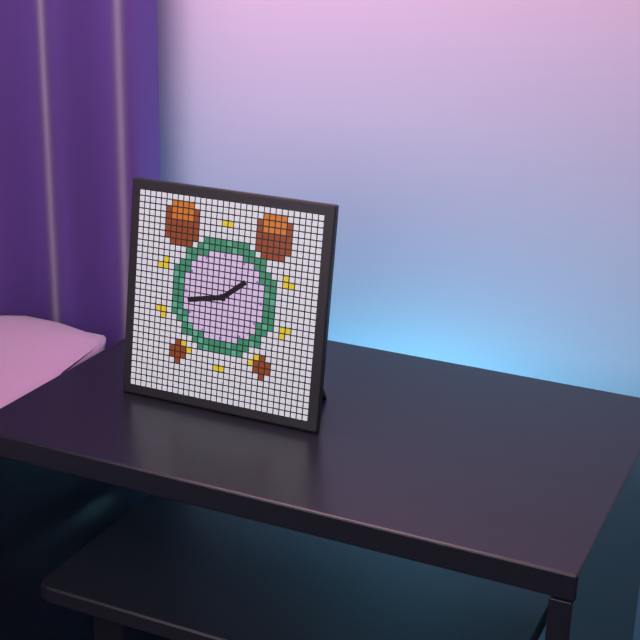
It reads 1:43
